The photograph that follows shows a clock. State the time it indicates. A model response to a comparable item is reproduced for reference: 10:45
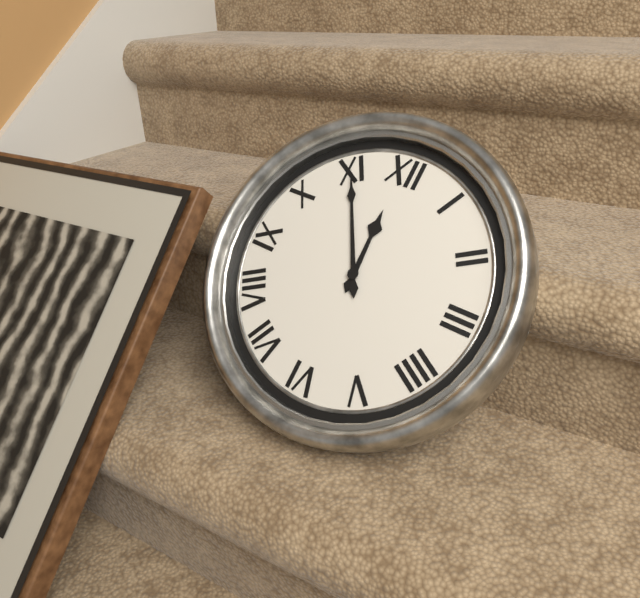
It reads 11:55
